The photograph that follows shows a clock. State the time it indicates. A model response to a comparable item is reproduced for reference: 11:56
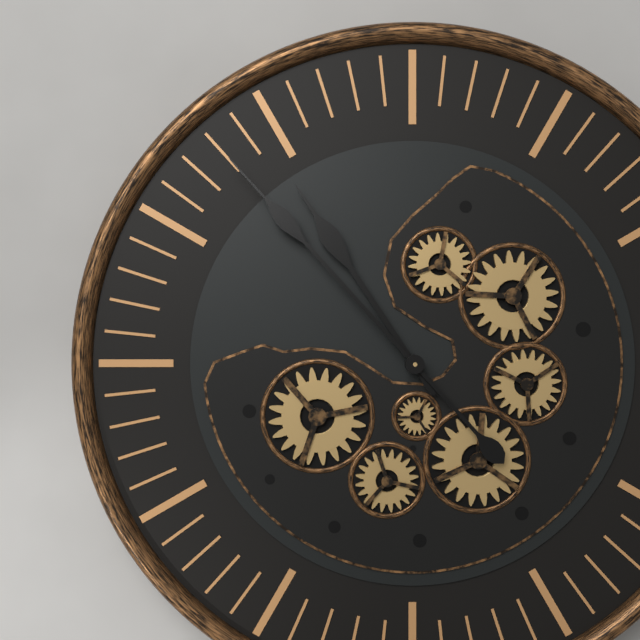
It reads 10:53
